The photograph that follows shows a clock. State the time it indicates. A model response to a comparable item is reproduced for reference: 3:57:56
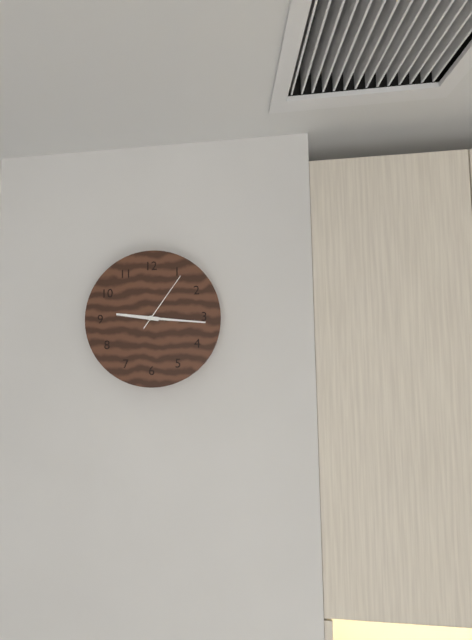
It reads 9:16:06
